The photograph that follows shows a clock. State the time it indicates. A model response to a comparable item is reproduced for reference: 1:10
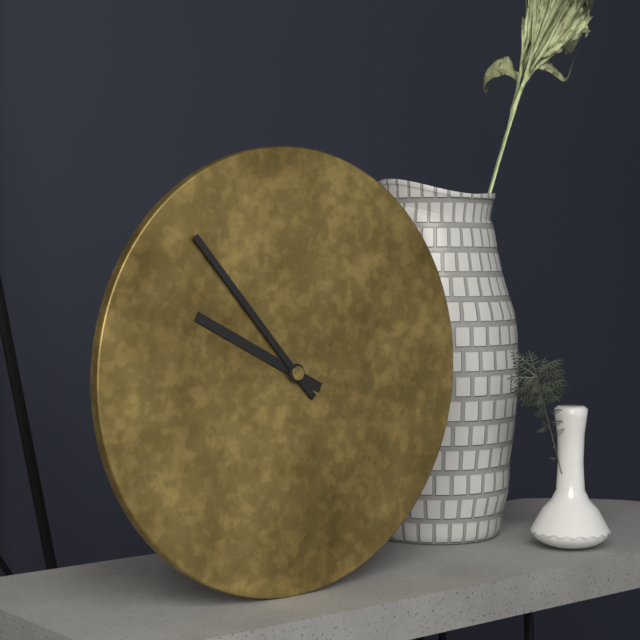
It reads 9:53
